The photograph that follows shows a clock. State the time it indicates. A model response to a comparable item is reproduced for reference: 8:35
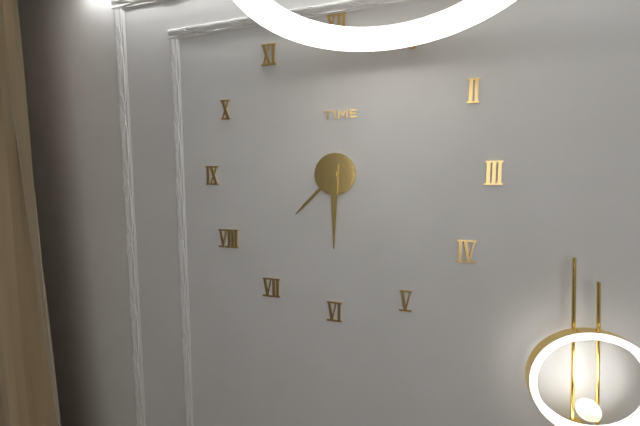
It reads 7:30
